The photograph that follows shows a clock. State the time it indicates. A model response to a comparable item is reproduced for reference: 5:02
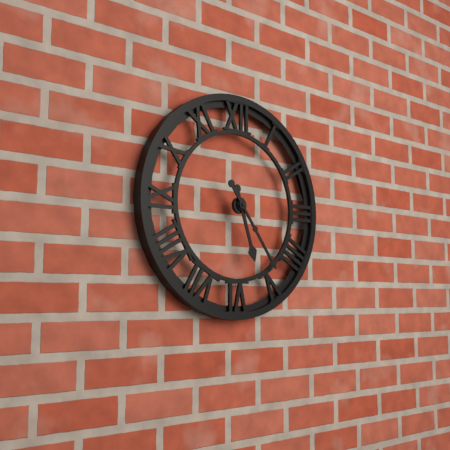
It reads 5:24
